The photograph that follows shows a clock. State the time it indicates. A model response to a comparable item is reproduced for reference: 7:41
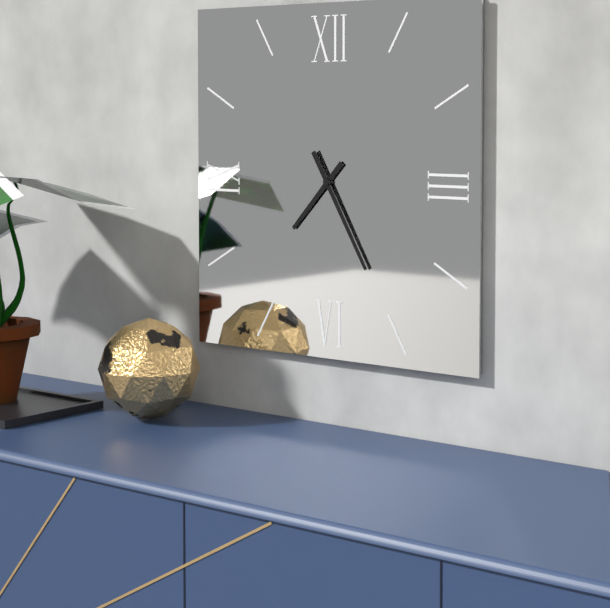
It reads 7:25
